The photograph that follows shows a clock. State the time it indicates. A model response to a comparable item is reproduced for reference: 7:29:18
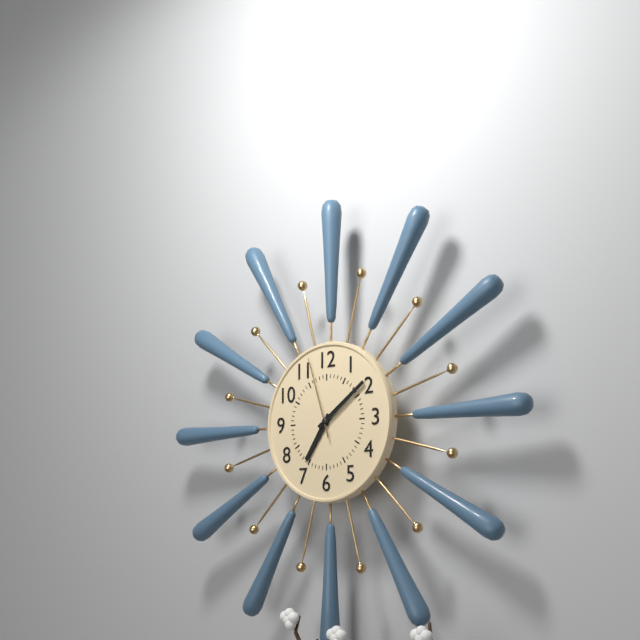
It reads 7:09:57
